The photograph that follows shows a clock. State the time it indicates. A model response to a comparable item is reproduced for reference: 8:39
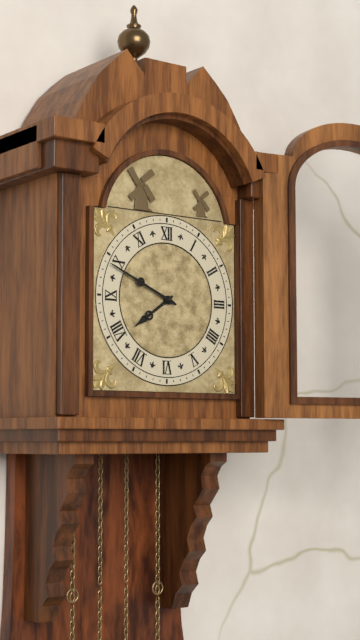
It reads 7:49
